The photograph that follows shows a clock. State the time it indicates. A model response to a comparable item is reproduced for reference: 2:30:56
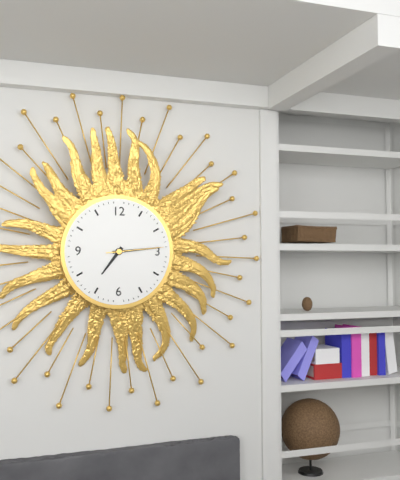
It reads 7:14:14
